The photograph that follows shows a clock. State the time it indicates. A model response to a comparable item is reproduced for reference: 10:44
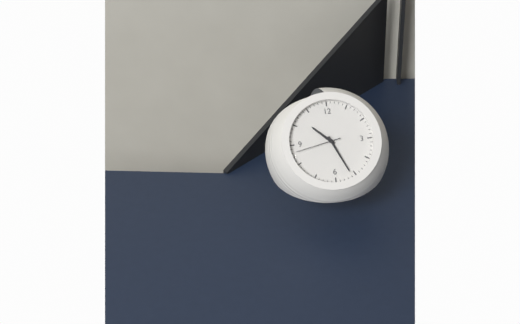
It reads 10:26
